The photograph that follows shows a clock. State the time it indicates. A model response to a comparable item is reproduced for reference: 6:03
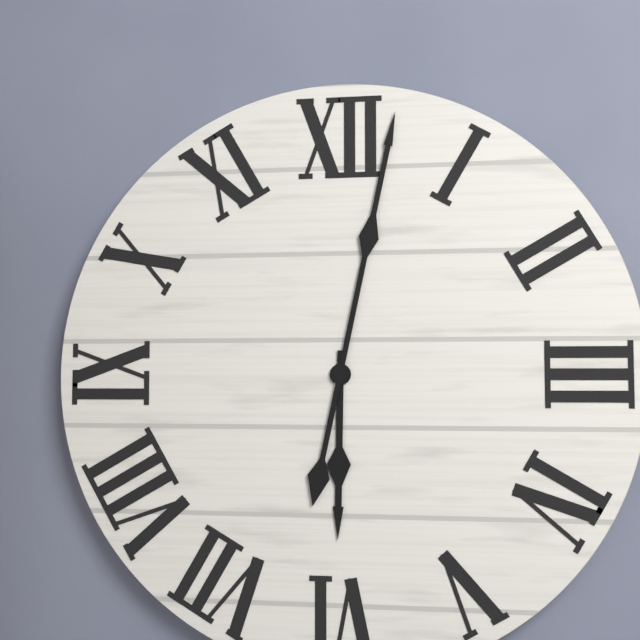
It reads 6:02
